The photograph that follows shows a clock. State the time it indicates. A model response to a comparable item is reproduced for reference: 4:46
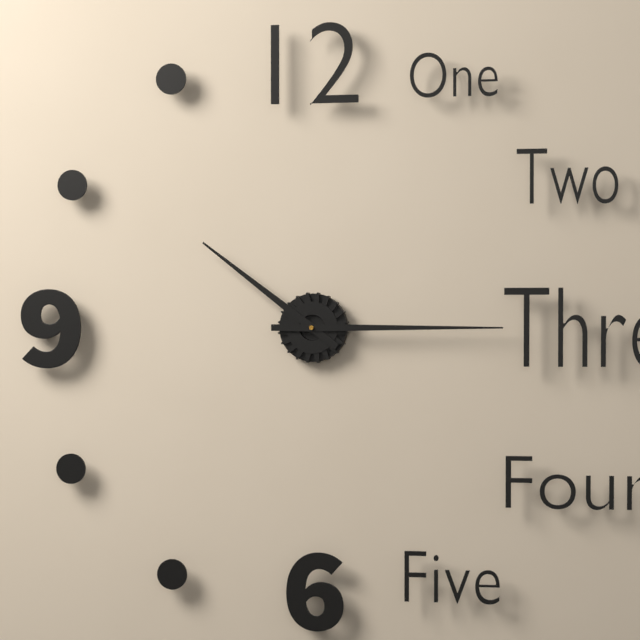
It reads 10:15
